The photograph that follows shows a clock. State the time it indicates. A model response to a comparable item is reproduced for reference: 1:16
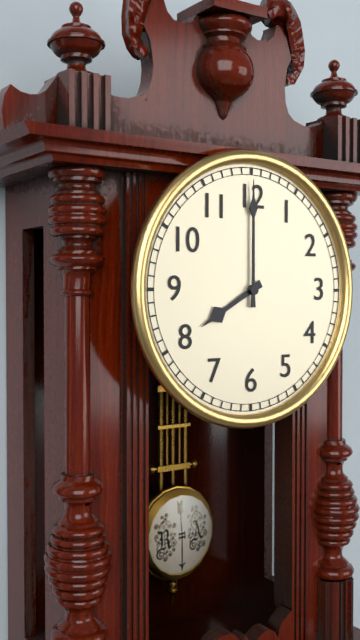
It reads 8:00
